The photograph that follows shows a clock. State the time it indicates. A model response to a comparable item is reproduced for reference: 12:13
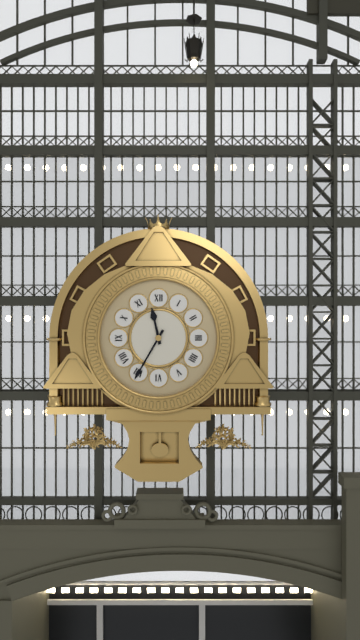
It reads 11:35
